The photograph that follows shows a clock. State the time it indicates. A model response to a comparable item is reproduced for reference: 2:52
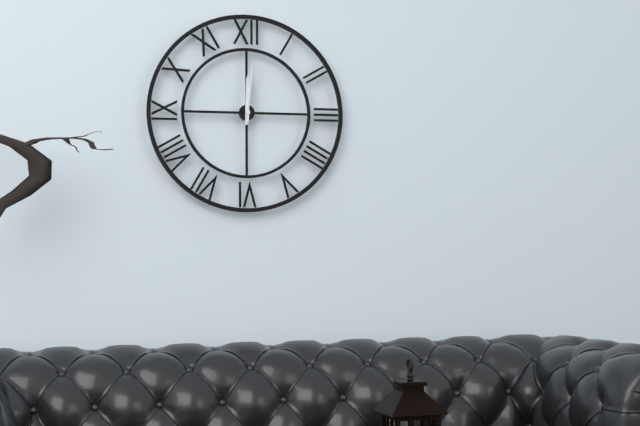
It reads 12:01
